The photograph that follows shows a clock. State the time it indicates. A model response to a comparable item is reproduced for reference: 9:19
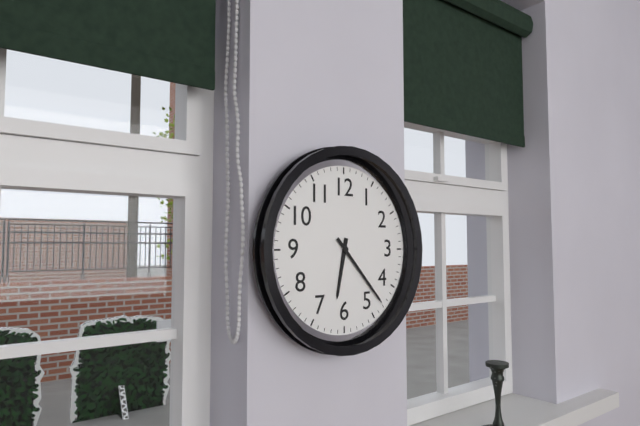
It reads 6:23
